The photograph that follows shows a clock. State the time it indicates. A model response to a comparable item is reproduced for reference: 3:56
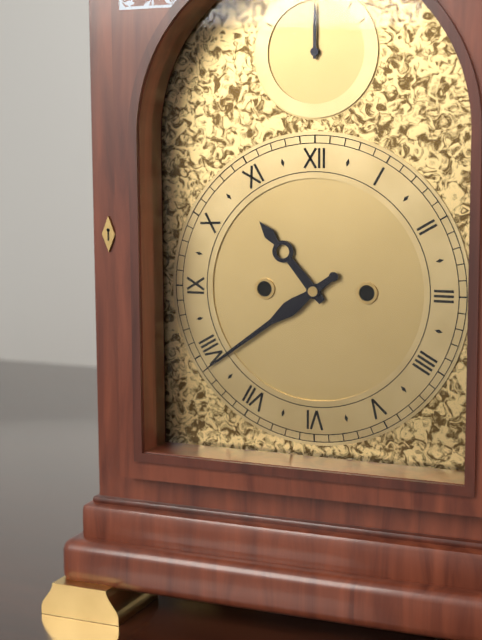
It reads 10:39
